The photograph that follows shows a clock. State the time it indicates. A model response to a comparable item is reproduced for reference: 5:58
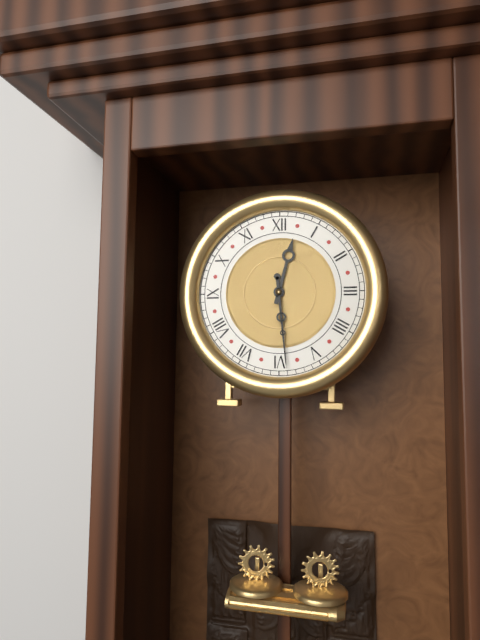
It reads 12:29
